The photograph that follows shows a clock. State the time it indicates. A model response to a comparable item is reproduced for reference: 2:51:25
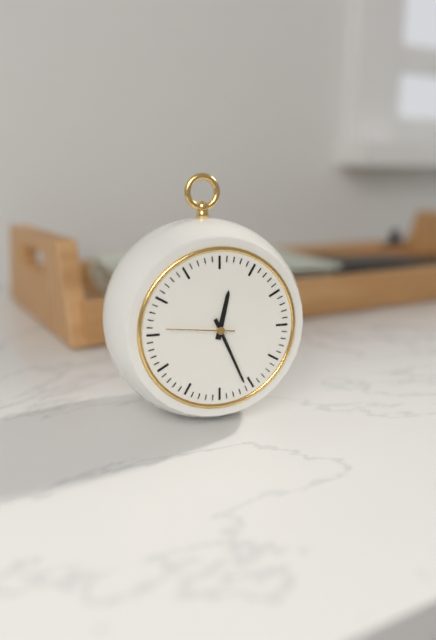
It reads 12:26:46
